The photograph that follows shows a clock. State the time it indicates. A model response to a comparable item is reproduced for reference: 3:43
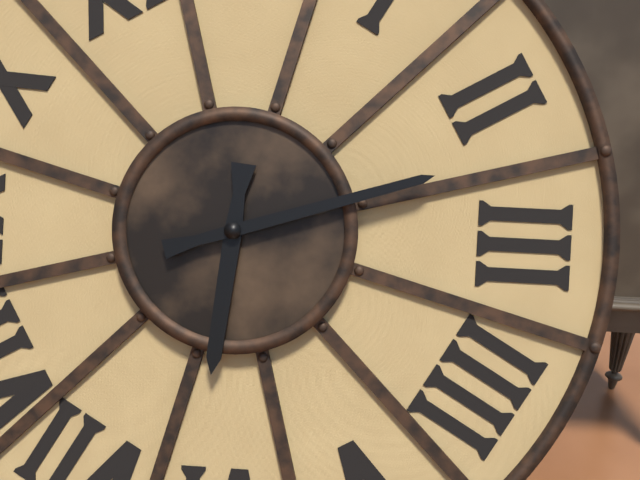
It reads 6:12
